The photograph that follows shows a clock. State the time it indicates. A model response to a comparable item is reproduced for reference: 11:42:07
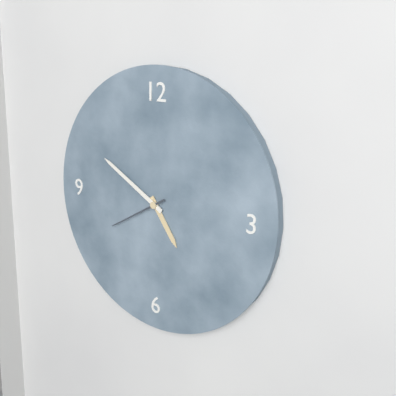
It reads 4:50:40
